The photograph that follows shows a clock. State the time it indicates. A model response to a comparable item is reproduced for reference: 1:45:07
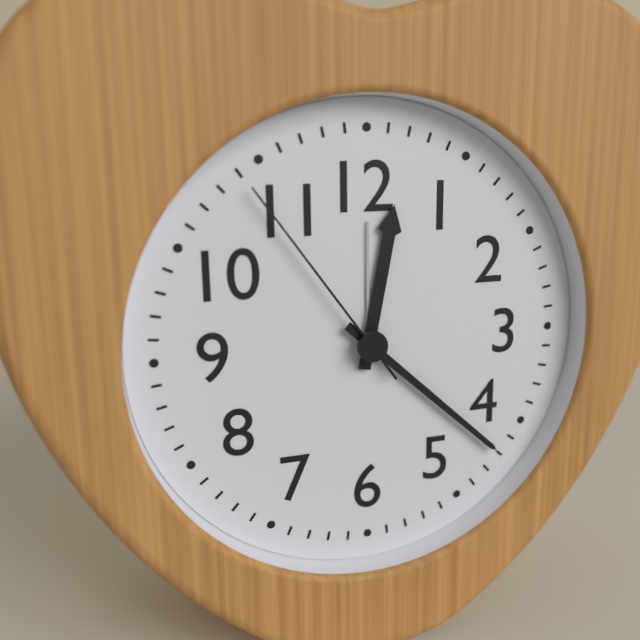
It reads 12:22:54
